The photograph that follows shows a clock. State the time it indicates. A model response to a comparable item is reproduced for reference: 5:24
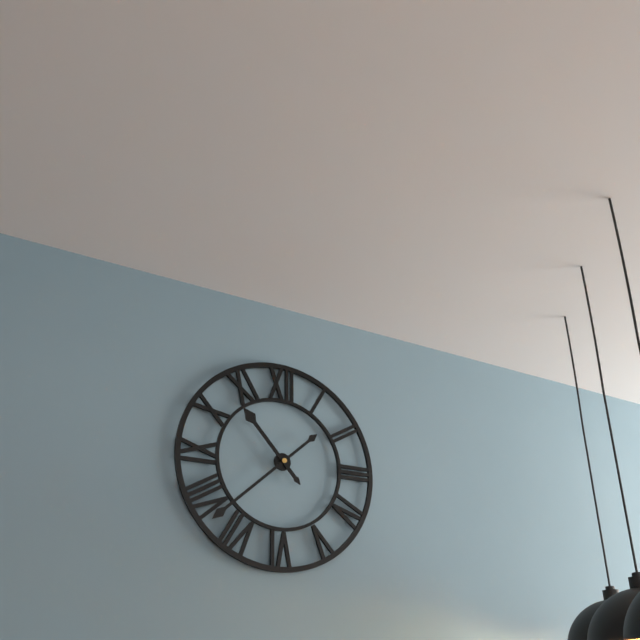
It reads 10:38
